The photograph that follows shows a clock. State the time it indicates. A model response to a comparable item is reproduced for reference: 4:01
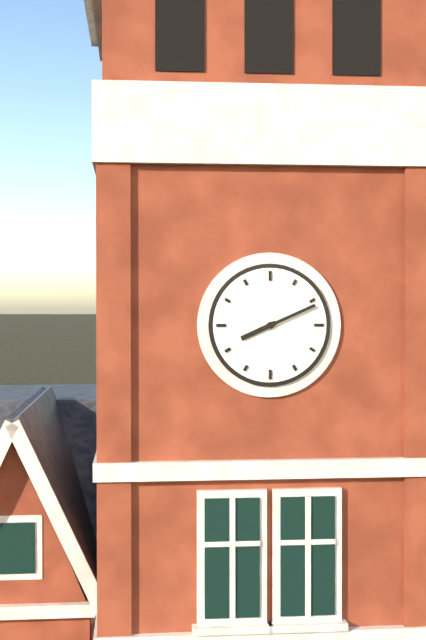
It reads 8:11
